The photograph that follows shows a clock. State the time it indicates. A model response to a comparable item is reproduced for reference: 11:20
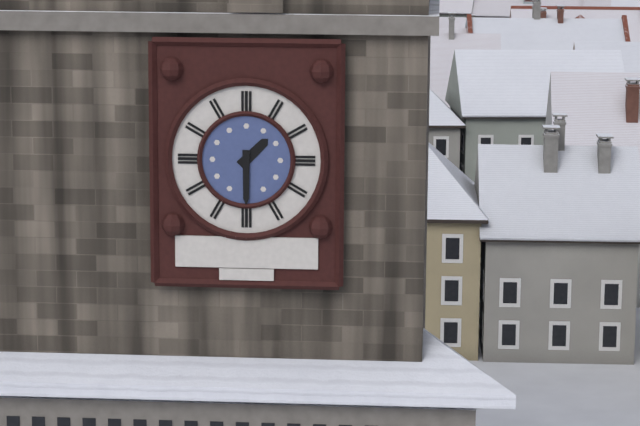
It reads 1:30
